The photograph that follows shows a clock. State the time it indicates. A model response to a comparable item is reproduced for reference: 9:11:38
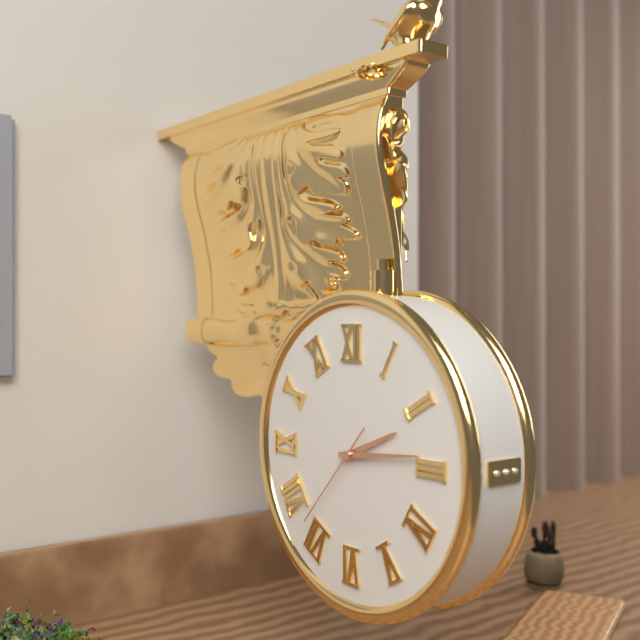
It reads 2:14:37
